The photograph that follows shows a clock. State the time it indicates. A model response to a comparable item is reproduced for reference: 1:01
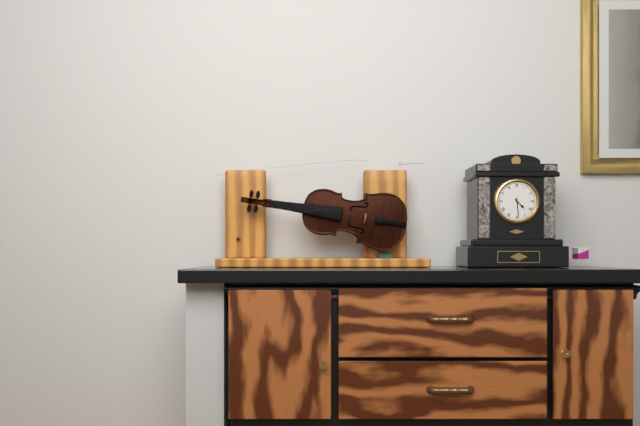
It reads 4:29
